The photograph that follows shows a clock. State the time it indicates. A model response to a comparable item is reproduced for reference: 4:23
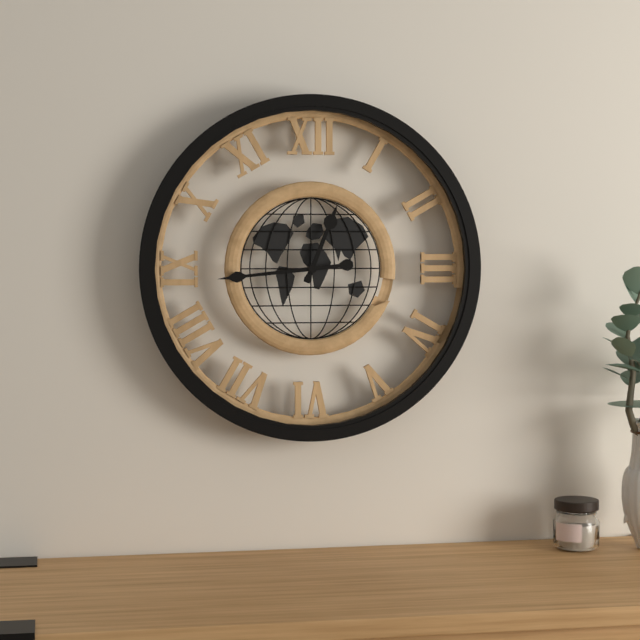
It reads 12:44
